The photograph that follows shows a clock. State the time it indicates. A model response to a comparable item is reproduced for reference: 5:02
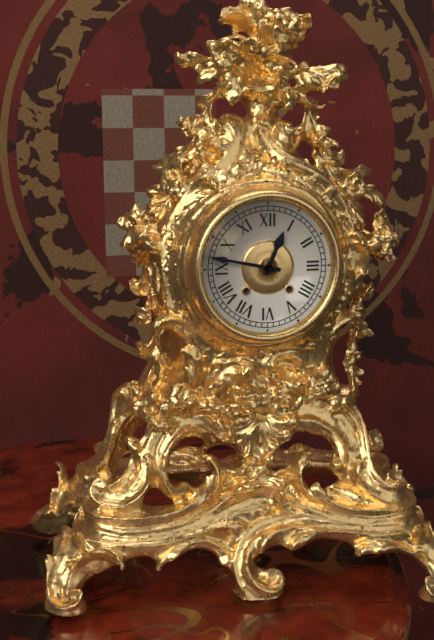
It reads 12:47
